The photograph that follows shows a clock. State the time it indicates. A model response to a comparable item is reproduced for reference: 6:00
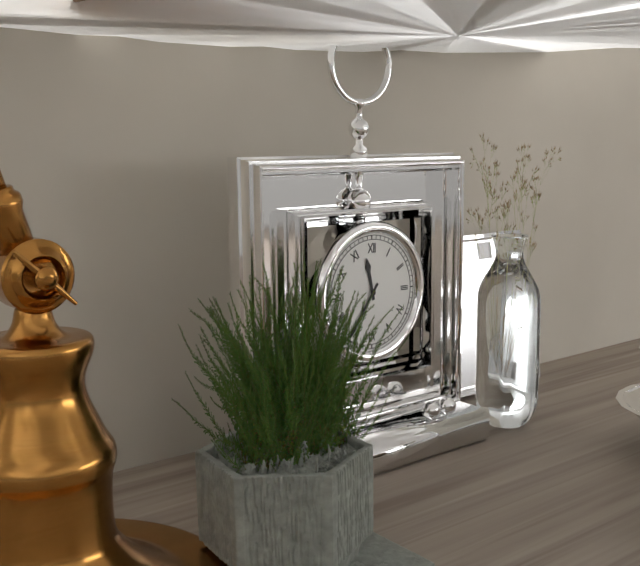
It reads 11:36
